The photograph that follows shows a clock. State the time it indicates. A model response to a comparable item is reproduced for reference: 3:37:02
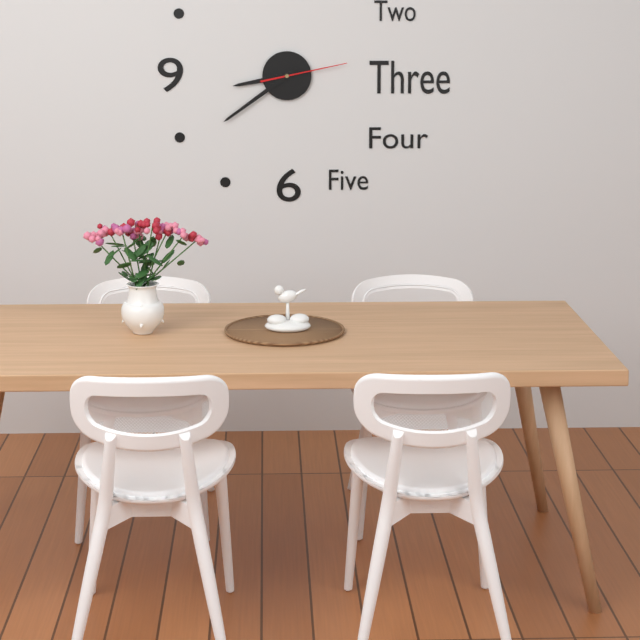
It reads 8:39:13
